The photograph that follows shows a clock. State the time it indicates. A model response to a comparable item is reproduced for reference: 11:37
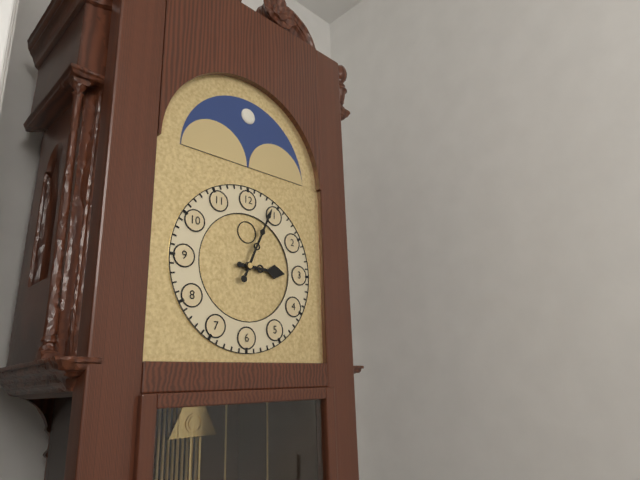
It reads 3:04
